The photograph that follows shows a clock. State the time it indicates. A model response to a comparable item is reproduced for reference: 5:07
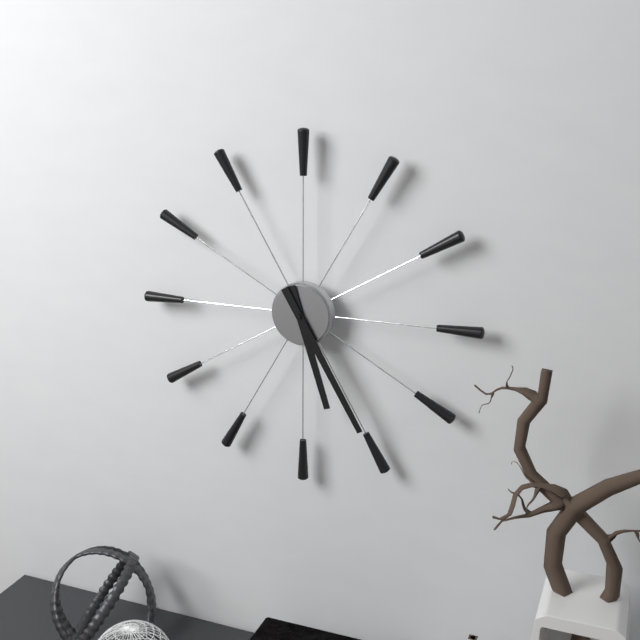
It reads 5:25
